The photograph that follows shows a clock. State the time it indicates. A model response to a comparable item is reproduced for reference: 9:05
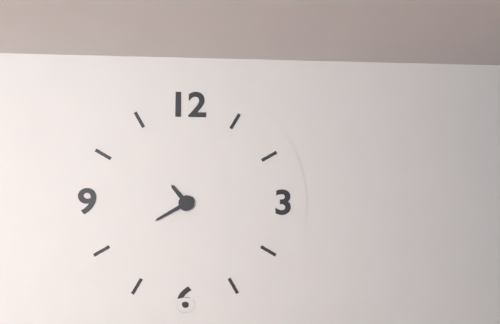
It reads 10:40
